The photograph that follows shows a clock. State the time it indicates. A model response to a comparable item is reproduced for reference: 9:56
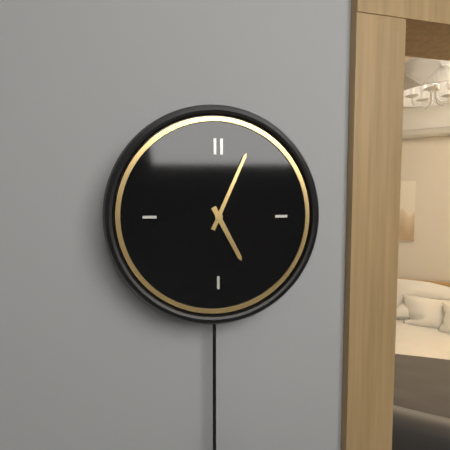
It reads 5:04
